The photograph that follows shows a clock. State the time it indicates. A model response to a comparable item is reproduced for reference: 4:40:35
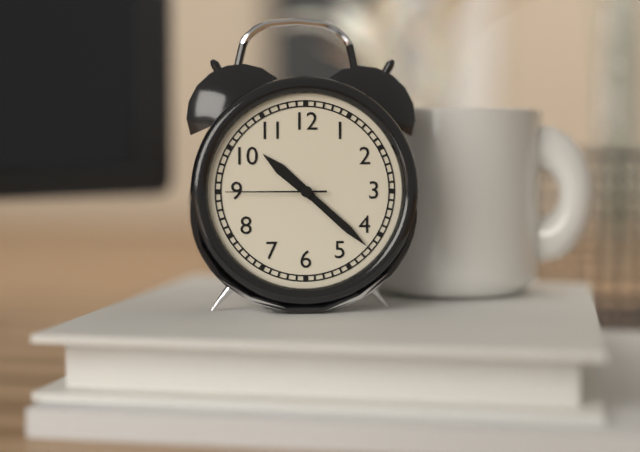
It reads 10:22:45
